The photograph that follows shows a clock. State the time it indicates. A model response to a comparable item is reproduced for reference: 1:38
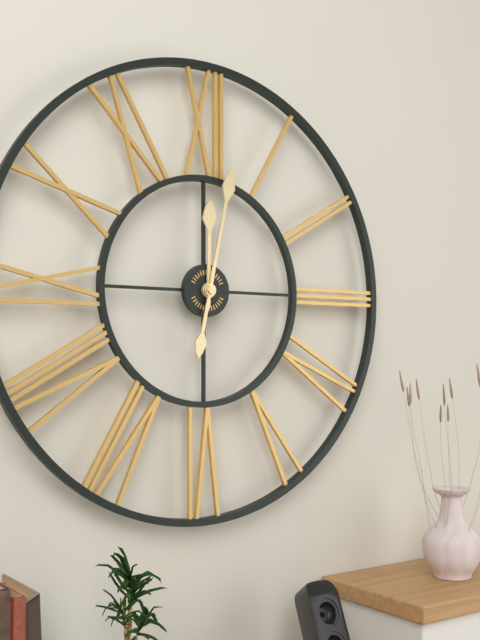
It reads 12:02
